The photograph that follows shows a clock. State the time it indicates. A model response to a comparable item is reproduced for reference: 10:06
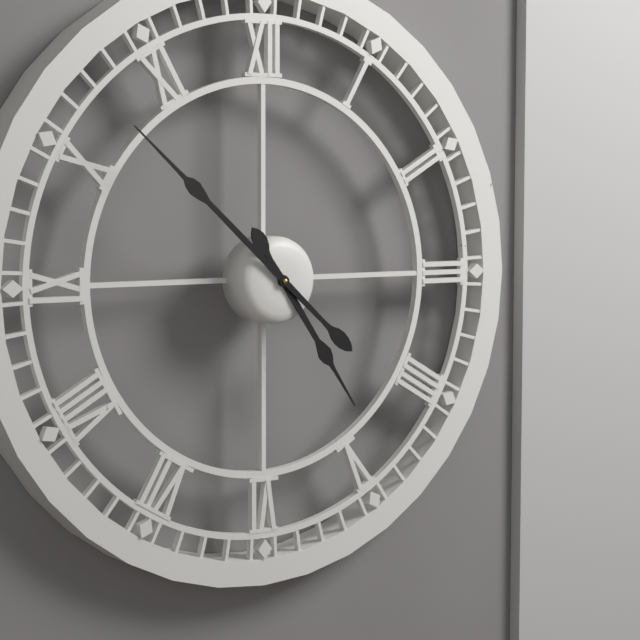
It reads 4:52
